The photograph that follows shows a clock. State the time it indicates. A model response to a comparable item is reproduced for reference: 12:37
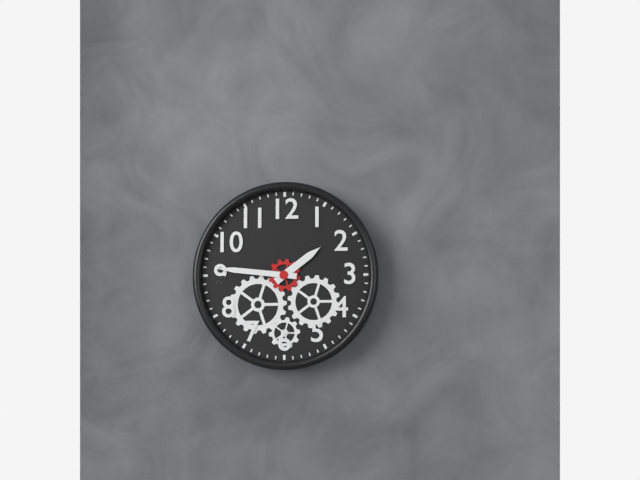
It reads 1:46
